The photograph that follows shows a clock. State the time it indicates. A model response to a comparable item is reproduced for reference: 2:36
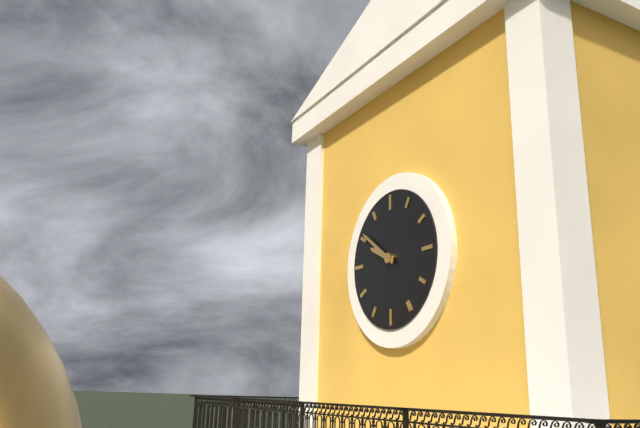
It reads 9:51
